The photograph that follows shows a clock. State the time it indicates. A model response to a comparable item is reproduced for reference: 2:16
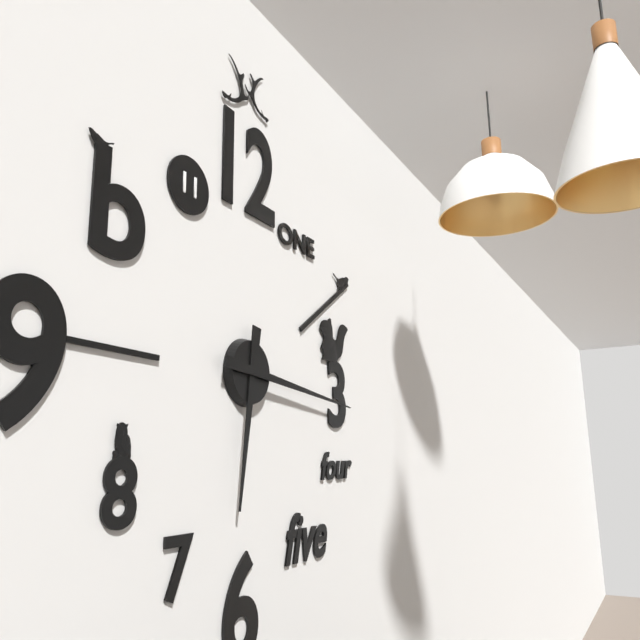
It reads 6:16
